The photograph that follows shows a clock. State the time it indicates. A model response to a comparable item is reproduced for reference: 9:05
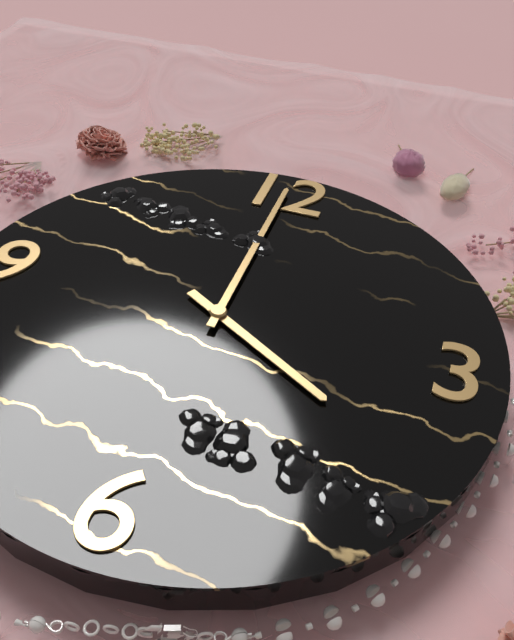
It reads 4:00
